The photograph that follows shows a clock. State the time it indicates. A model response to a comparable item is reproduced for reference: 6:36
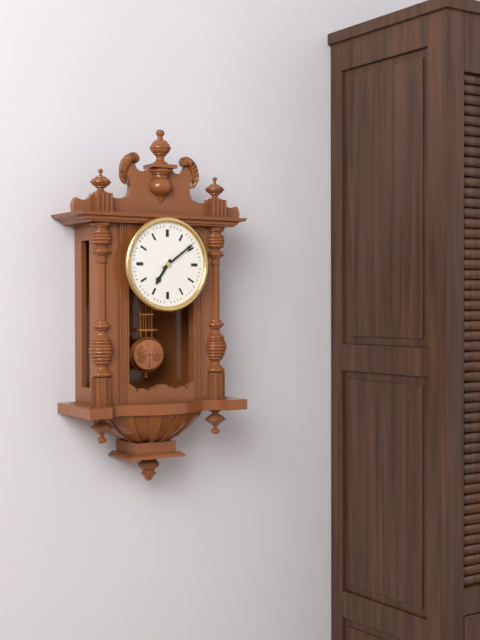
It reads 7:09
